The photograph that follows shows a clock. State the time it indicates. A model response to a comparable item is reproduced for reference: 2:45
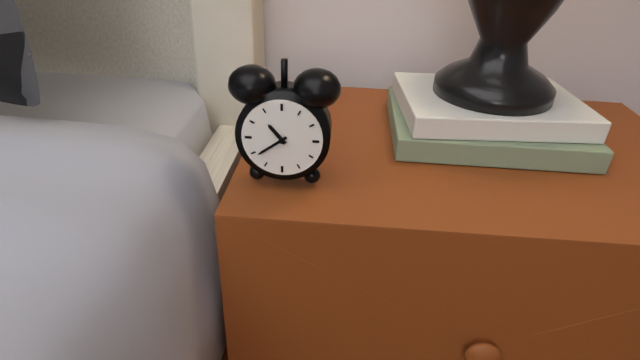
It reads 10:39
